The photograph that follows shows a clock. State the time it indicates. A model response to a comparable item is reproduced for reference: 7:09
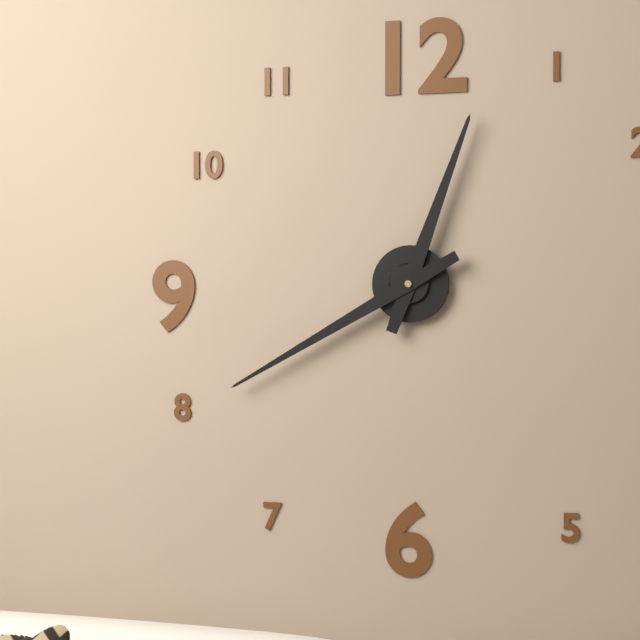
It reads 12:40
